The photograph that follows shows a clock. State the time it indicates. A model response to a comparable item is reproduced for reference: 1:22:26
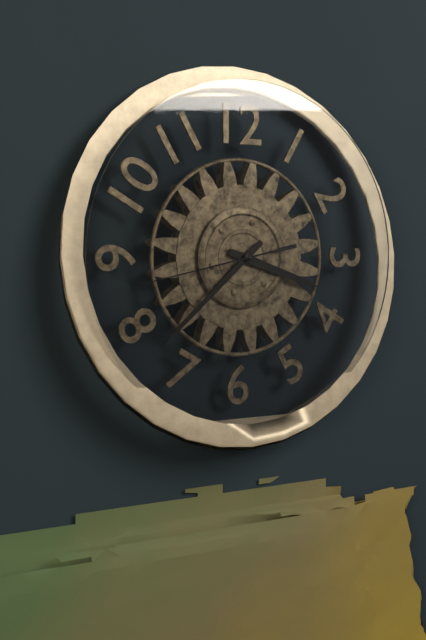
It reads 3:38:43
